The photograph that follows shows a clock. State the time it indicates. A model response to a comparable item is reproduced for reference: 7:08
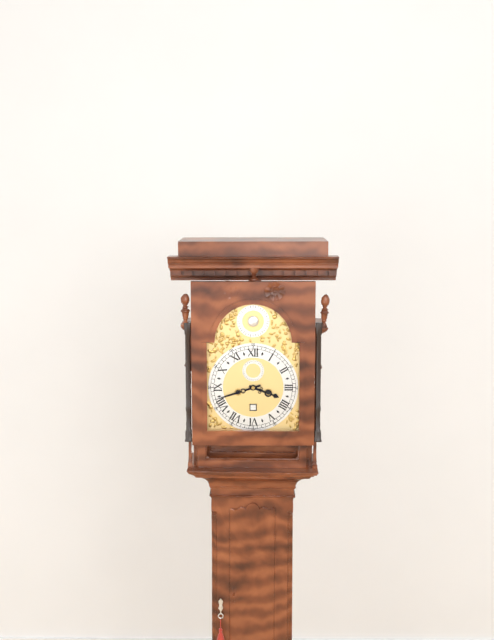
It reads 3:42
